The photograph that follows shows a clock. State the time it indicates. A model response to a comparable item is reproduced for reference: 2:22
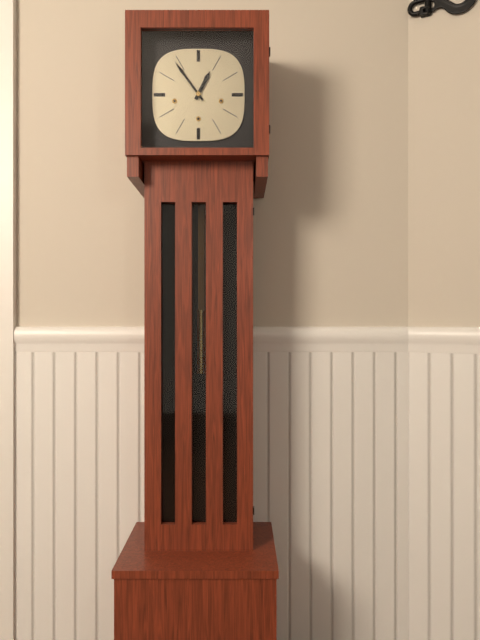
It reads 12:54
